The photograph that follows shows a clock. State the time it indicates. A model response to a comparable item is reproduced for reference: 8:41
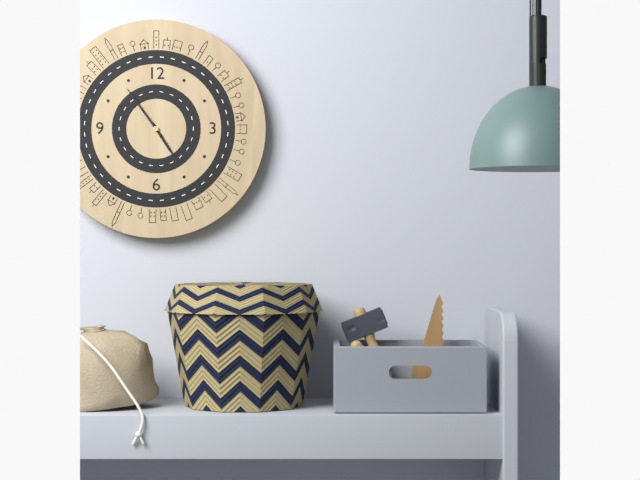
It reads 4:54
